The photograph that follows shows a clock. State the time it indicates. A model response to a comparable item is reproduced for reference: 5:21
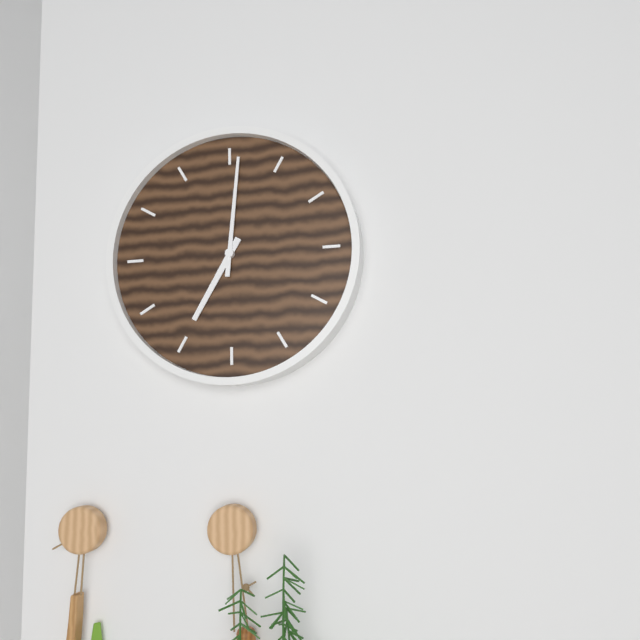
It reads 7:01
